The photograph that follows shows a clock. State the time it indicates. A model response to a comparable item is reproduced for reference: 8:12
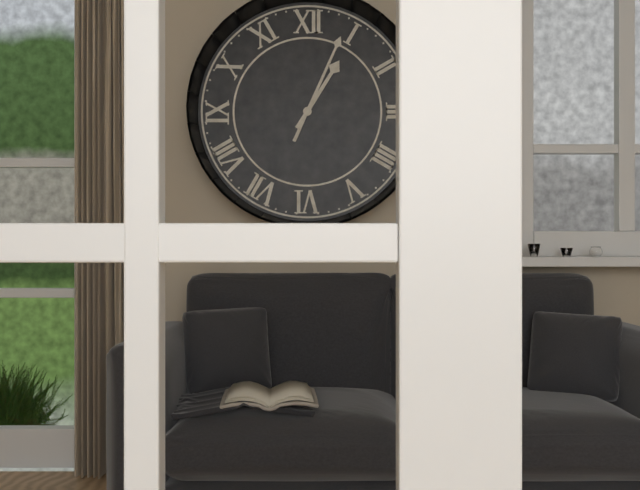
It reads 1:04
